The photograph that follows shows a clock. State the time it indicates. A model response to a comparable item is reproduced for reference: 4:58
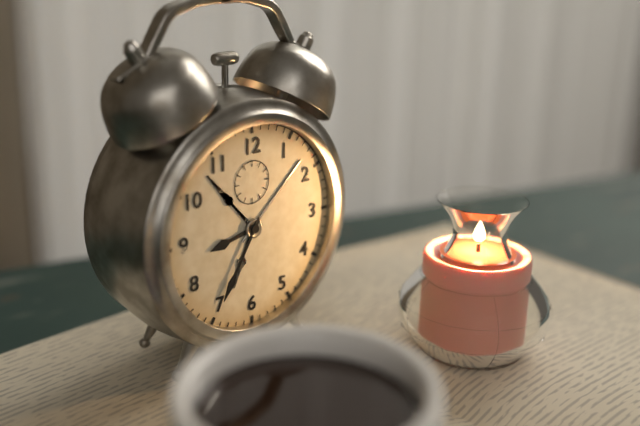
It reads 8:35
